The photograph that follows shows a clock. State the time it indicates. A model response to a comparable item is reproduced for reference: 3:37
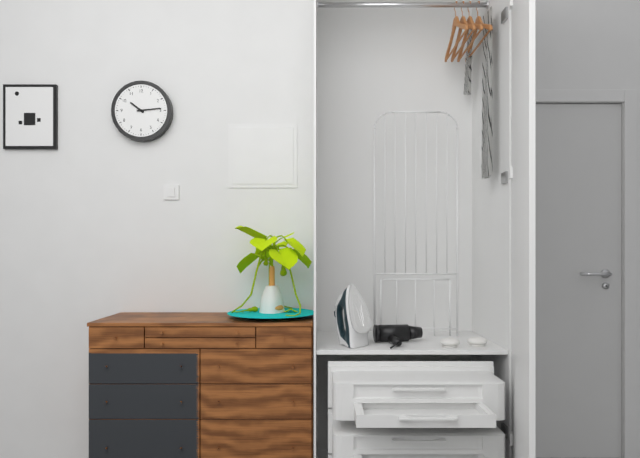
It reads 10:14
